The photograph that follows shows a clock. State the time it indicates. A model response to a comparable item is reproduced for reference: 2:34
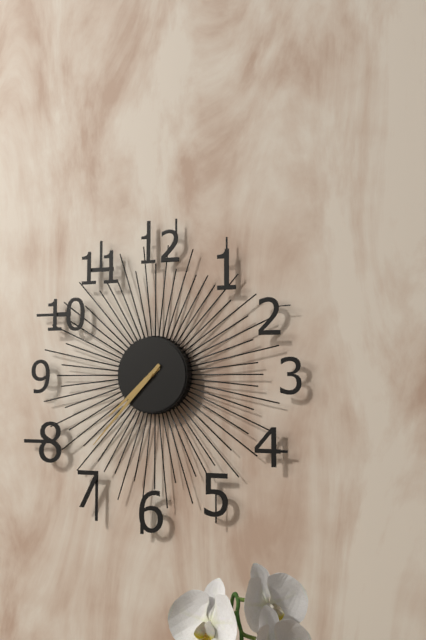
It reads 7:37
